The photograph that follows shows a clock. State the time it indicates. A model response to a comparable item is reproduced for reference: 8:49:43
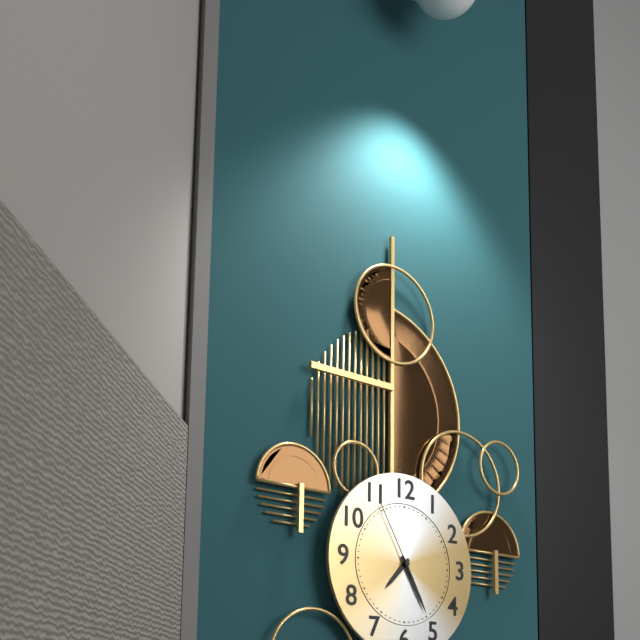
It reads 7:25:55
